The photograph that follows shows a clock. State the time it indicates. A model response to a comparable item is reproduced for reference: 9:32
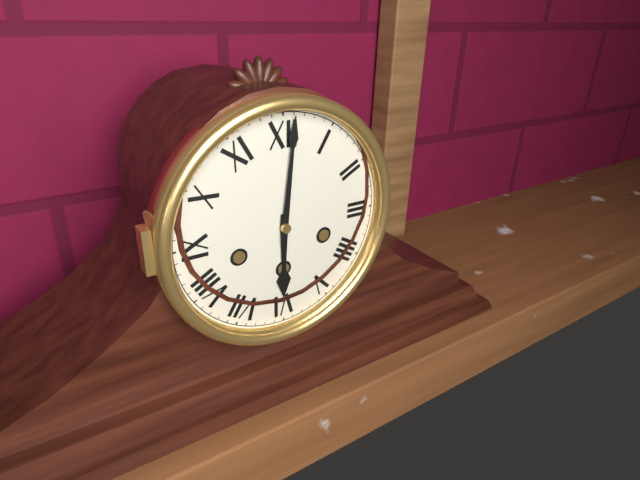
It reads 6:01
